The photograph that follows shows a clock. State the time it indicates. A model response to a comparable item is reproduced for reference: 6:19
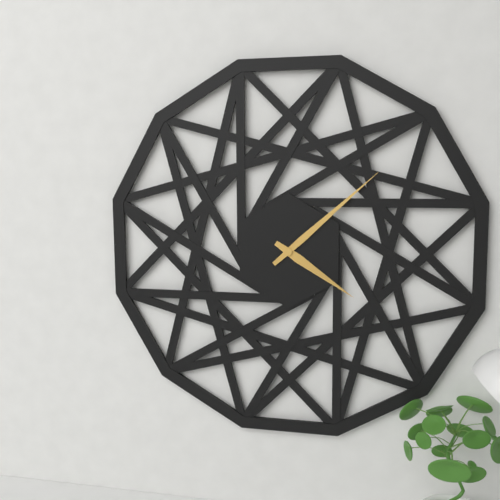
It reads 4:08
